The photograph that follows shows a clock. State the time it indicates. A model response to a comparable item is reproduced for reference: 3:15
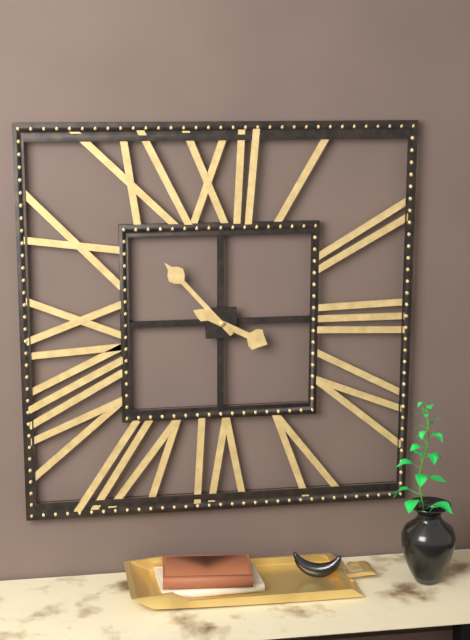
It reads 3:53
